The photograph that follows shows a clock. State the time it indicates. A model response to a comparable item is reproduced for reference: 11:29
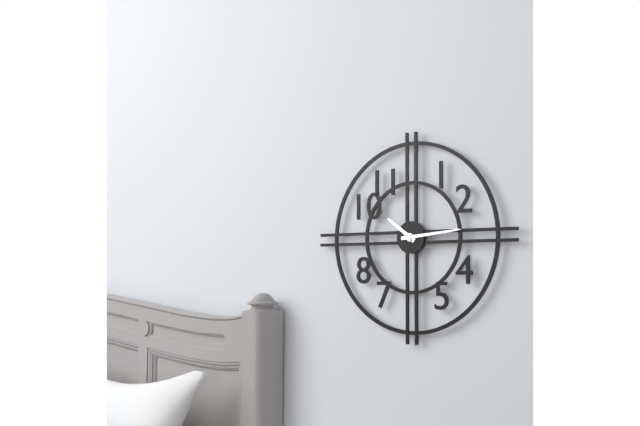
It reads 10:14
